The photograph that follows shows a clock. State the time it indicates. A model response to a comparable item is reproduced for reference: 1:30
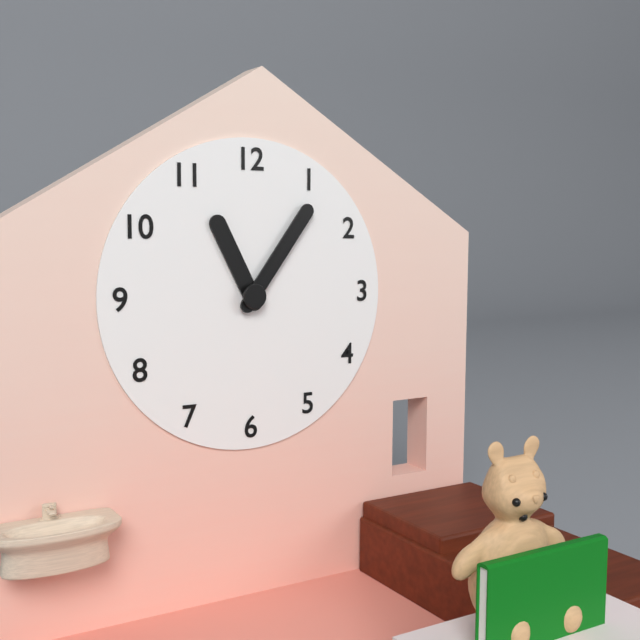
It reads 11:06
